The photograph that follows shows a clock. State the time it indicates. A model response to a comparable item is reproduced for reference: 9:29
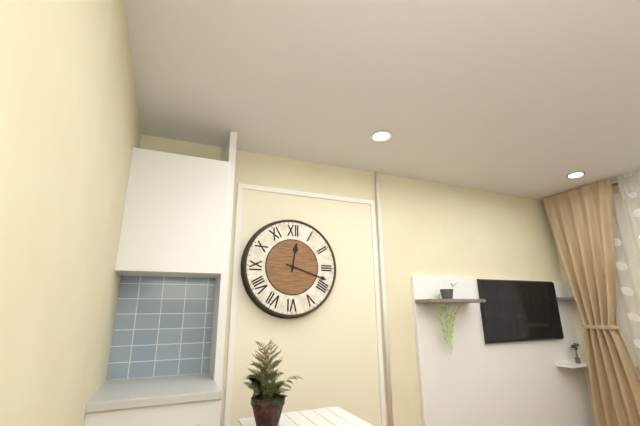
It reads 12:18
